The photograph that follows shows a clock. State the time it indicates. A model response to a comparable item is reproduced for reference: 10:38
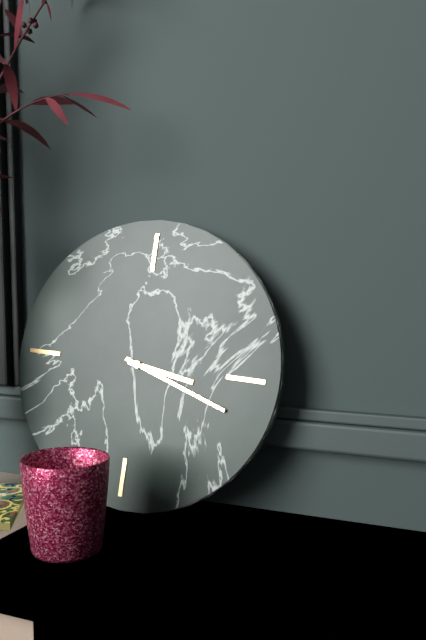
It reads 3:18
